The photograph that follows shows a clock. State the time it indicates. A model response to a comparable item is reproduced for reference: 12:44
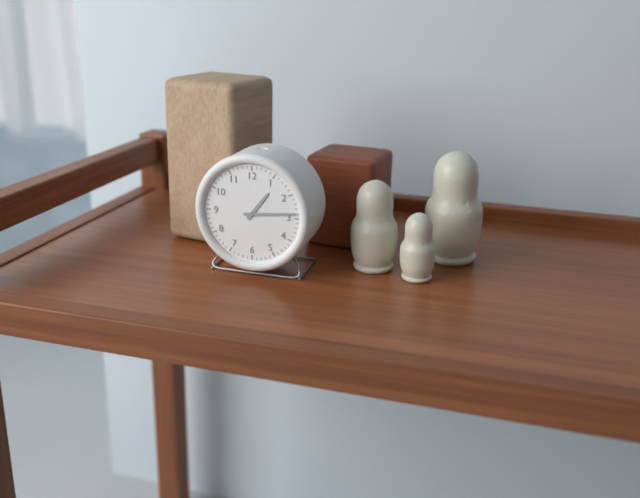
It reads 1:14
